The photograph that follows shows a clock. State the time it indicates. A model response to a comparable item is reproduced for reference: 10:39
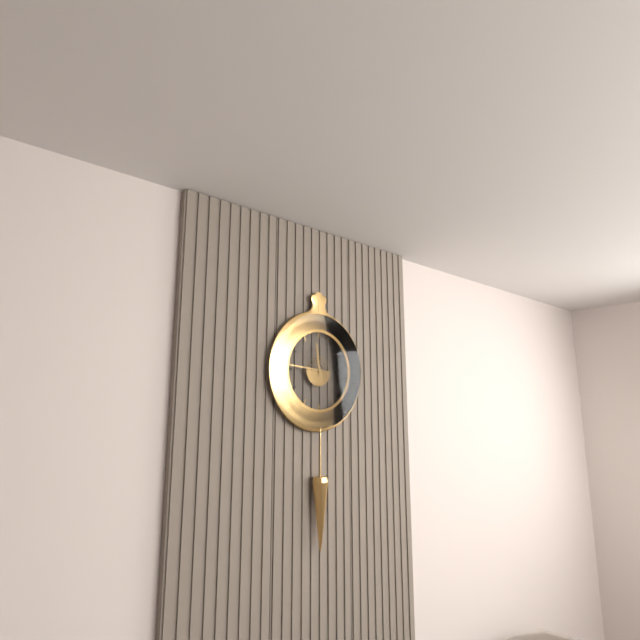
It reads 11:46
